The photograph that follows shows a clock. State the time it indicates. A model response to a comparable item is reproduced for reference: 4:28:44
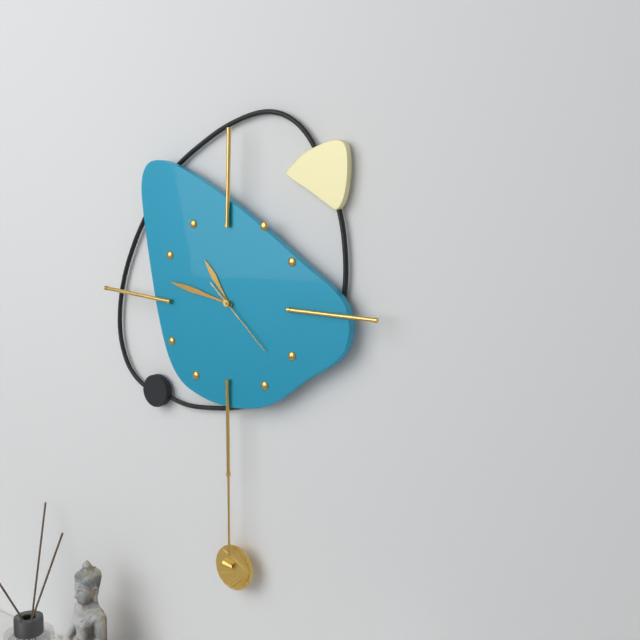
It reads 10:47:22
